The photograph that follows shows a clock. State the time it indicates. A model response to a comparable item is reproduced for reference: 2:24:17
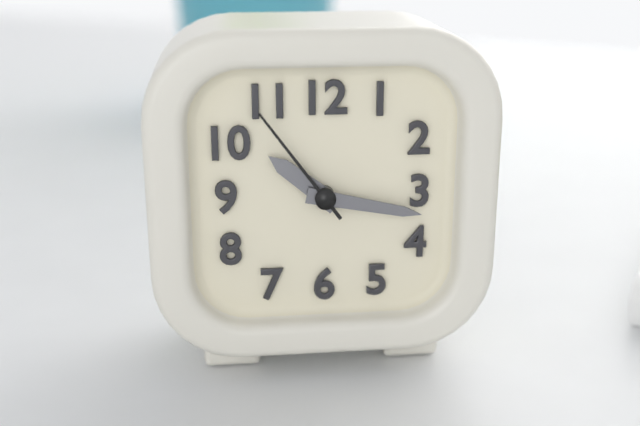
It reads 10:17:54
